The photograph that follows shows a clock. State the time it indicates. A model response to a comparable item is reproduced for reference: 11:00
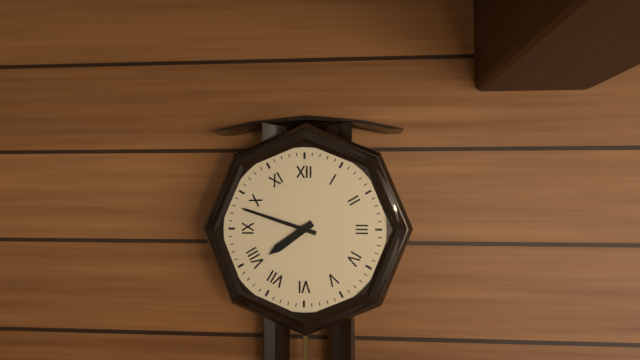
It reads 7:48
